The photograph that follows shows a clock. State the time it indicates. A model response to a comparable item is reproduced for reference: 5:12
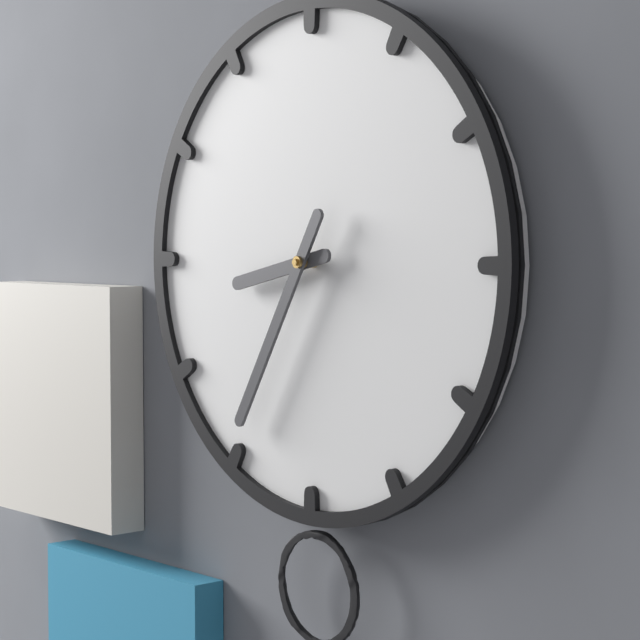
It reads 8:35
